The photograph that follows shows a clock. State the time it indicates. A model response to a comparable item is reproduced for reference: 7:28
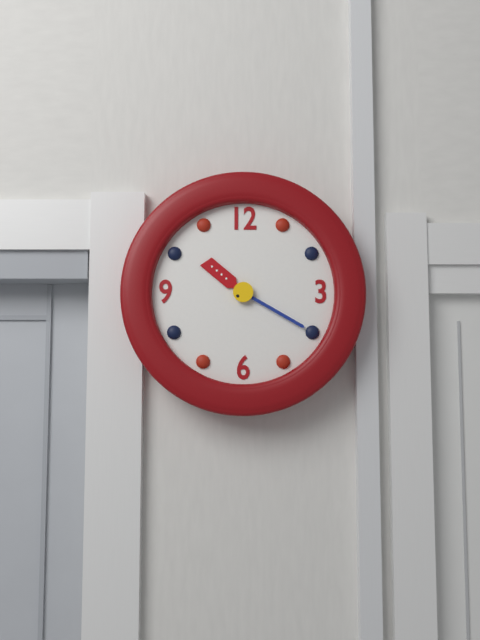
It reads 10:20
